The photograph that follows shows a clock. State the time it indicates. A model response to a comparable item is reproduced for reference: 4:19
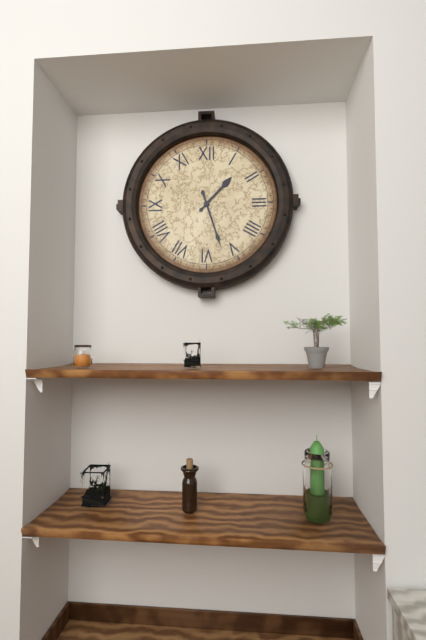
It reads 1:27
